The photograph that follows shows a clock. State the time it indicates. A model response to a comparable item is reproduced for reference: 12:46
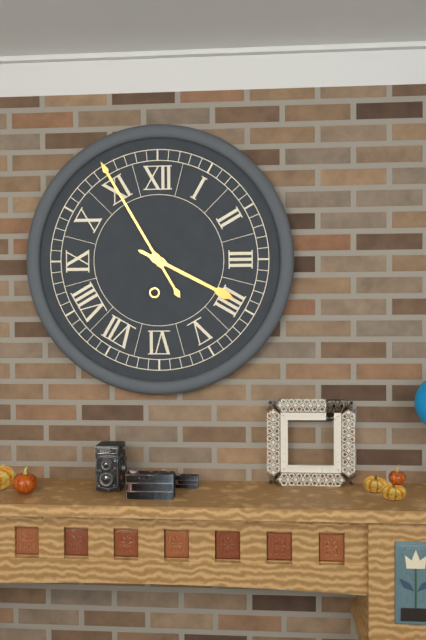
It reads 3:55
